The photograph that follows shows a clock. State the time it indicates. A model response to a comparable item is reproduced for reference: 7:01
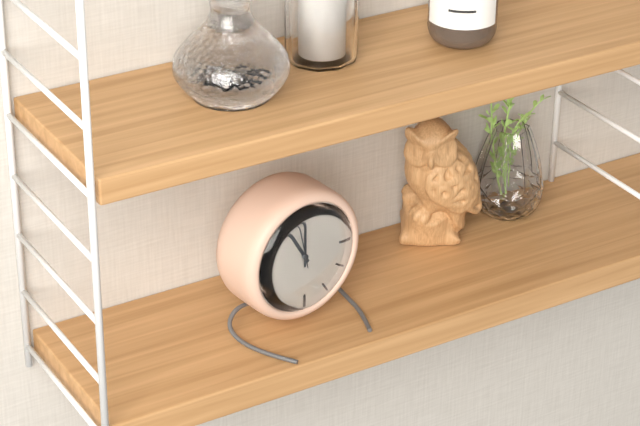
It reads 11:00
